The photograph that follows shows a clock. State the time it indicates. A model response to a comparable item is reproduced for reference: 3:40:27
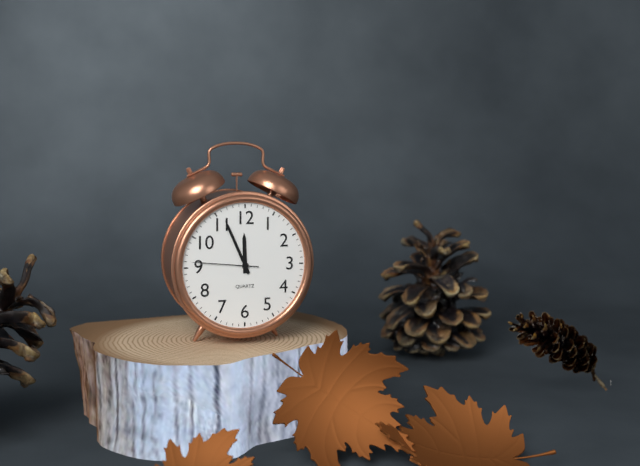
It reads 11:56:46
